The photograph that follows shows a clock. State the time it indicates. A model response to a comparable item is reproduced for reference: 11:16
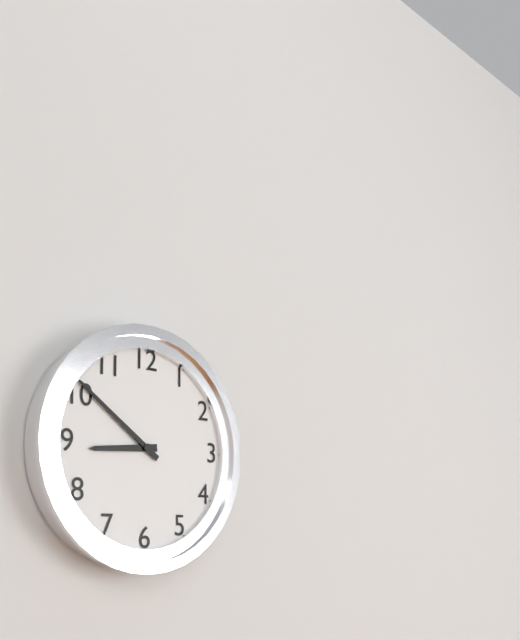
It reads 8:51
